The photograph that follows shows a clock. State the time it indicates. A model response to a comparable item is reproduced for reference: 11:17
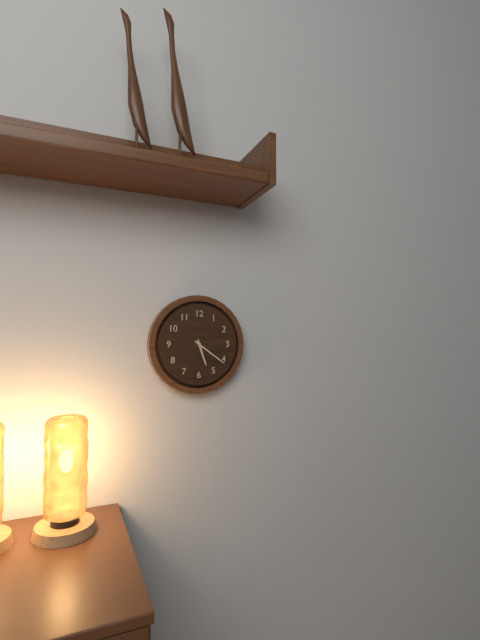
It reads 5:21
